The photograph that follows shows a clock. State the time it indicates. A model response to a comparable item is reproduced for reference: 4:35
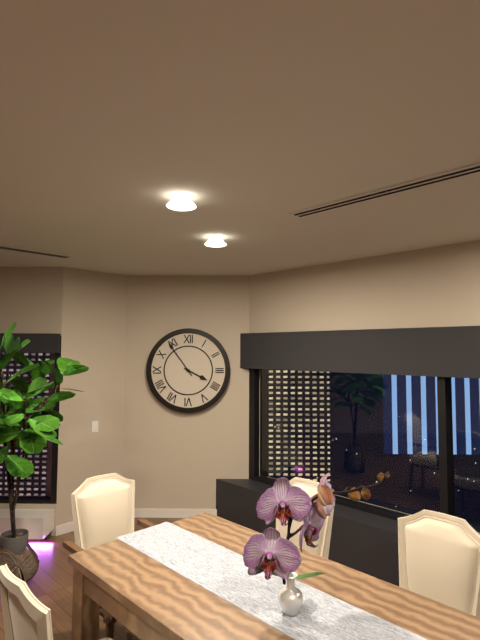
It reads 3:54
